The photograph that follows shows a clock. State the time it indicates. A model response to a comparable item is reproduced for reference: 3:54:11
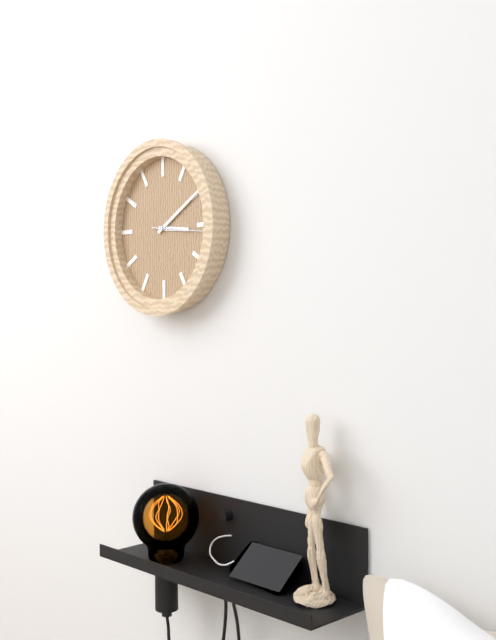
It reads 3:10:16
